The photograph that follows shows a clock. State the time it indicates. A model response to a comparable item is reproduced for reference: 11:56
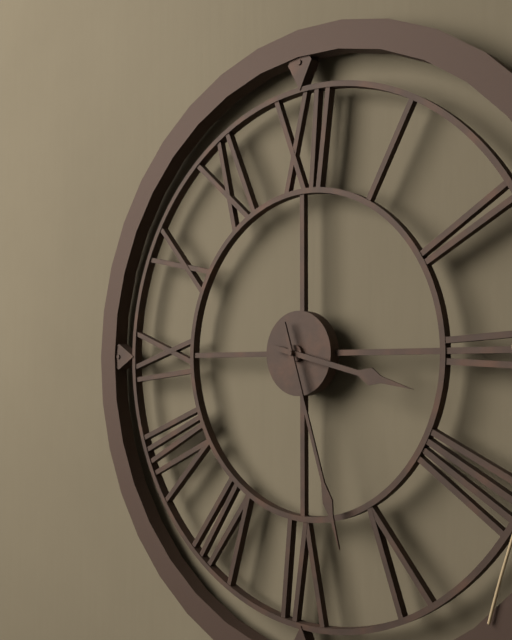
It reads 3:27
